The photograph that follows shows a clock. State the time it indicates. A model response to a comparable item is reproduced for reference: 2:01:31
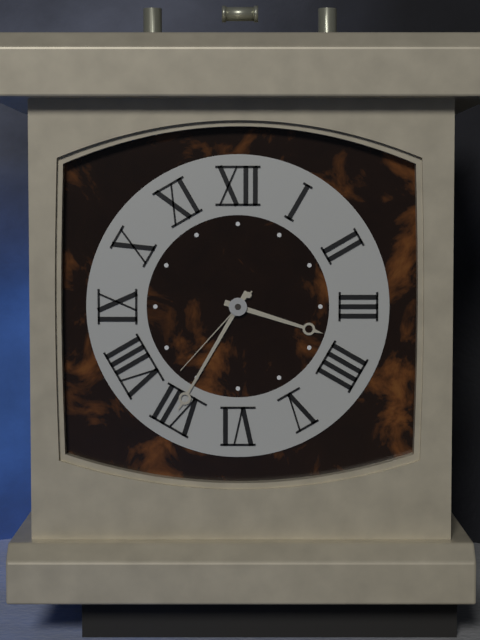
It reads 3:35:37
